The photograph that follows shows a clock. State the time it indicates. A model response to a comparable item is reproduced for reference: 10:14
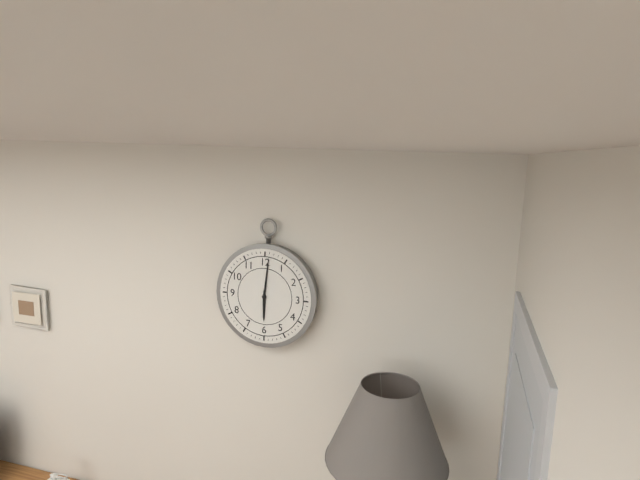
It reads 6:01
